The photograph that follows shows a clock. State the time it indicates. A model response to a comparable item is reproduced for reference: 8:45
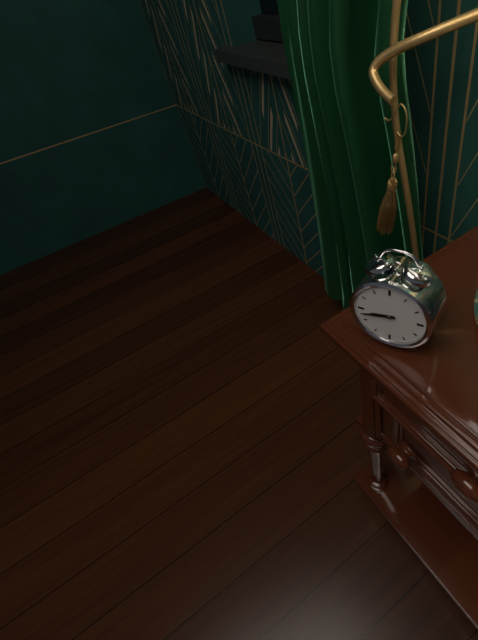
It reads 8:43
